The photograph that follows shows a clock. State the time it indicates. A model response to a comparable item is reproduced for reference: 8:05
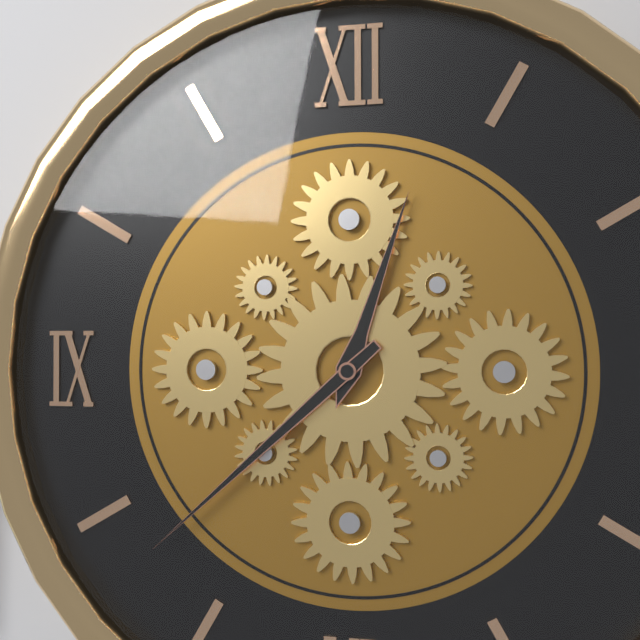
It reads 12:38
